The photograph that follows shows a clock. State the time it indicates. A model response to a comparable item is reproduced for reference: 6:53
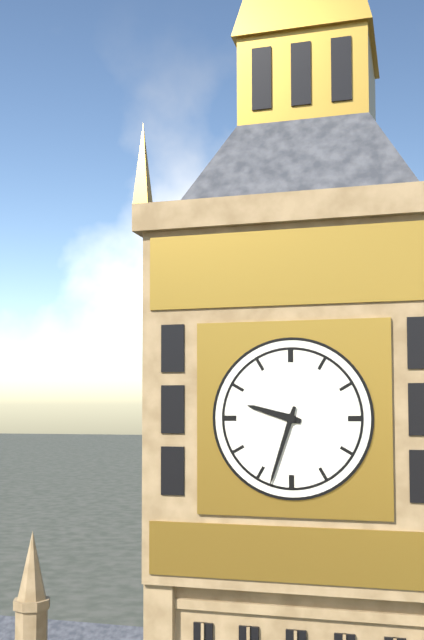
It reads 9:33
